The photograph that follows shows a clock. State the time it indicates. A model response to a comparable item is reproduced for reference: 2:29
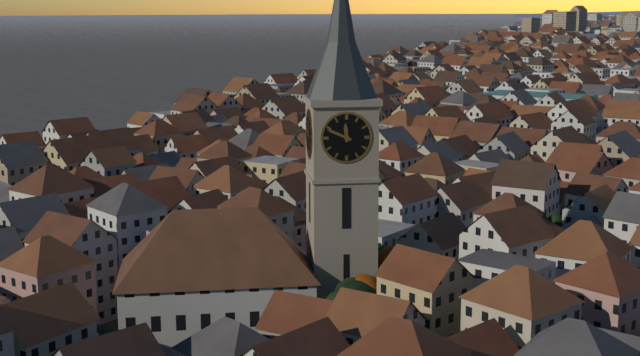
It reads 11:49
